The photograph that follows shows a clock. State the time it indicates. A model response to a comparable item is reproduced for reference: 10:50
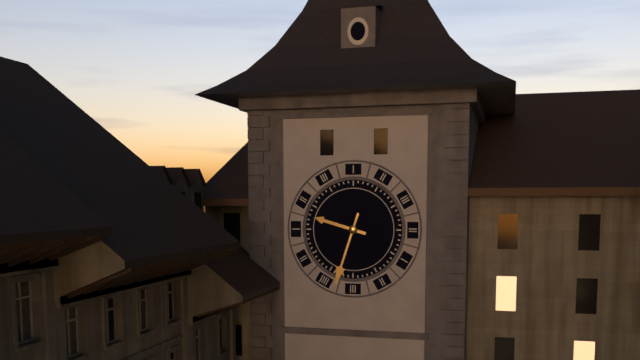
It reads 9:33
